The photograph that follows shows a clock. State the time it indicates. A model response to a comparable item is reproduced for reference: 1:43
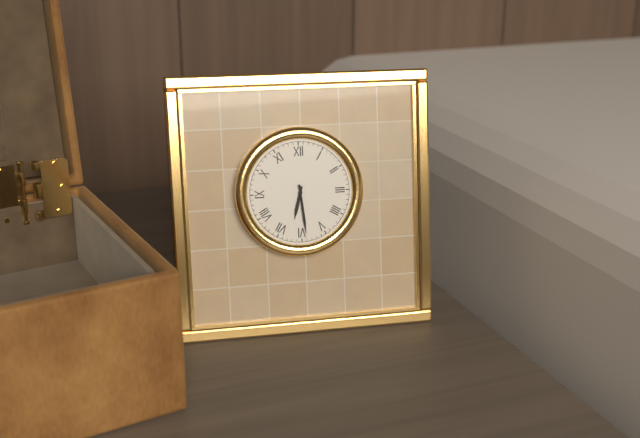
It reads 6:29
